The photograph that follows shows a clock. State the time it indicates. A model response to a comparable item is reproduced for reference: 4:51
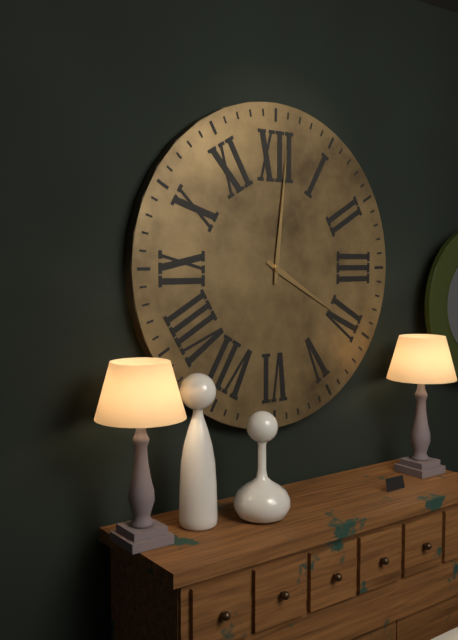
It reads 4:01
